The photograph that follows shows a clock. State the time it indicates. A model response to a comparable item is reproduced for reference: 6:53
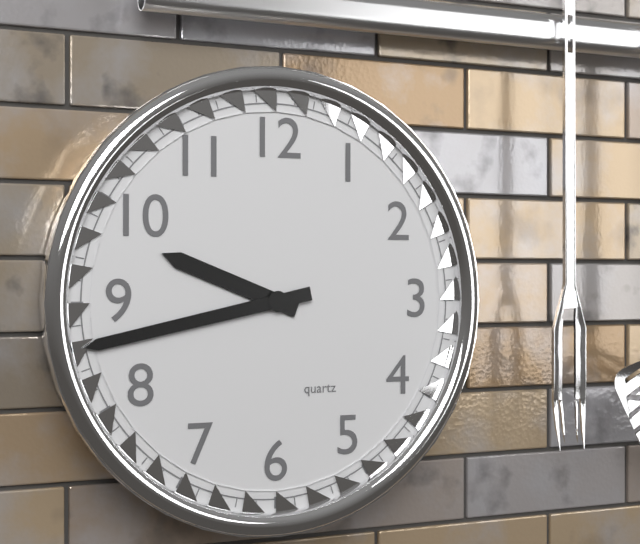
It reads 9:43
